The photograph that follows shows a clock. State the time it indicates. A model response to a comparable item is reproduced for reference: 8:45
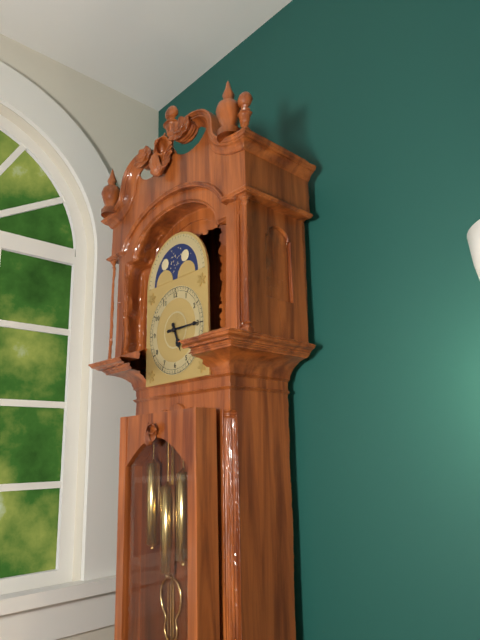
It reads 5:15
